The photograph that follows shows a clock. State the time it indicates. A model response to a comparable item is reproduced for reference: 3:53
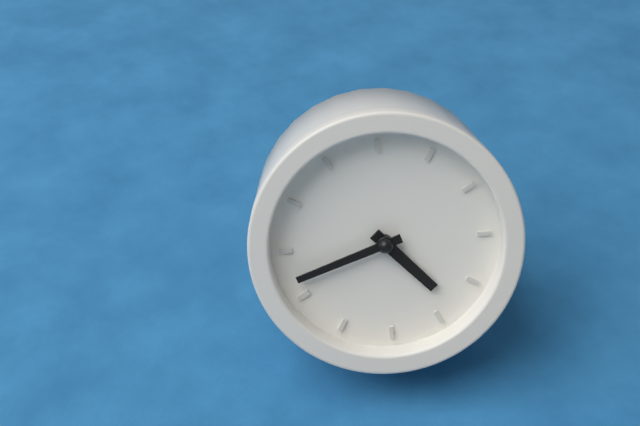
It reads 3:37
